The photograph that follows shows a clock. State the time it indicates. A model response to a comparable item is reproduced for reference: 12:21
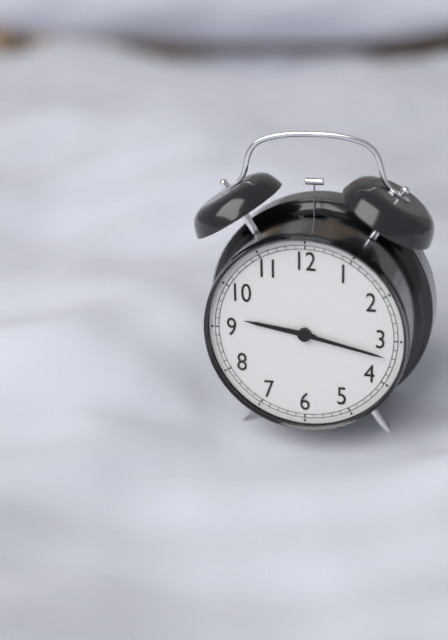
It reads 9:17
